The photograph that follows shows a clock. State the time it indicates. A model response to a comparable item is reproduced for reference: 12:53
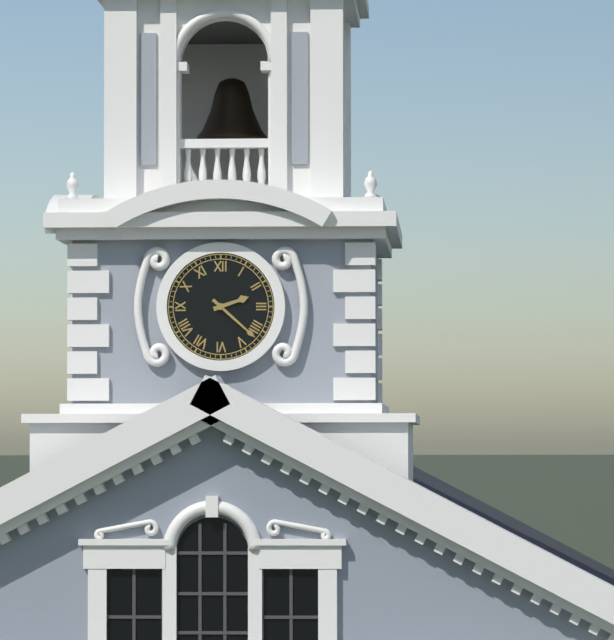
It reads 2:22
